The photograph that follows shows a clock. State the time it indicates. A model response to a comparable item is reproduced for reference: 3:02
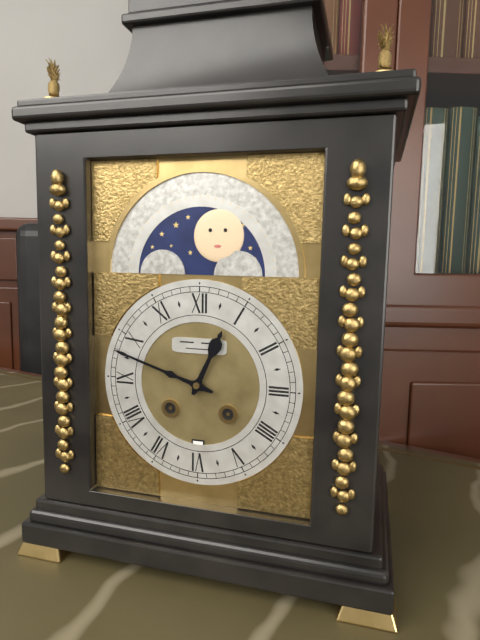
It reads 12:48
